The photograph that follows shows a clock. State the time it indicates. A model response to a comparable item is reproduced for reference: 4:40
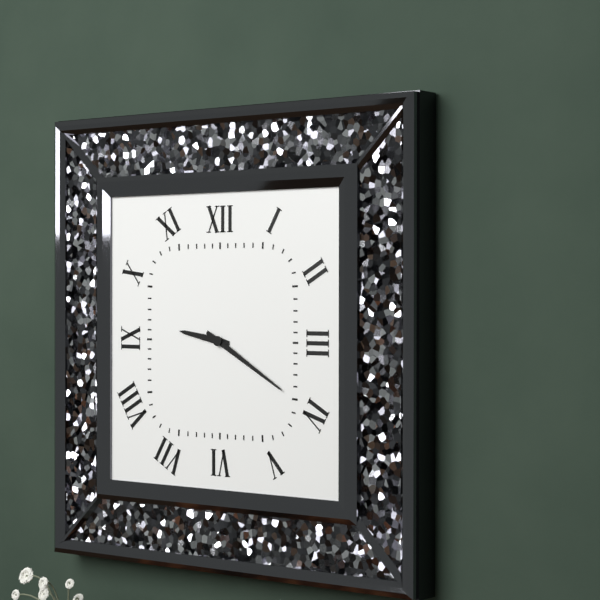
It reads 9:20
